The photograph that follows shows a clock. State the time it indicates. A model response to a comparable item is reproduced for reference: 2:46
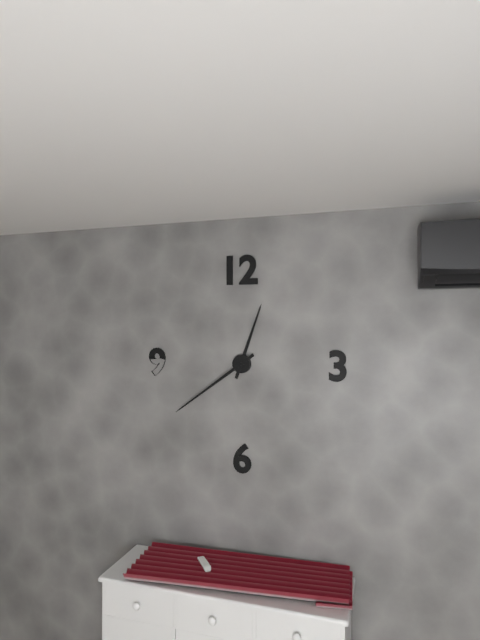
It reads 12:39
